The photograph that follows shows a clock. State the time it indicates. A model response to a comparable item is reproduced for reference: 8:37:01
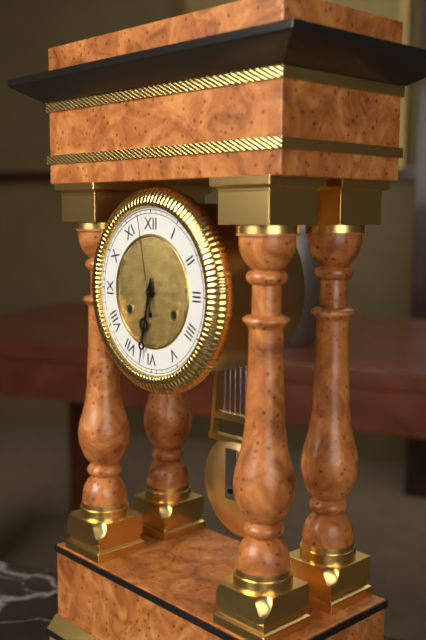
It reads 6:32:58
